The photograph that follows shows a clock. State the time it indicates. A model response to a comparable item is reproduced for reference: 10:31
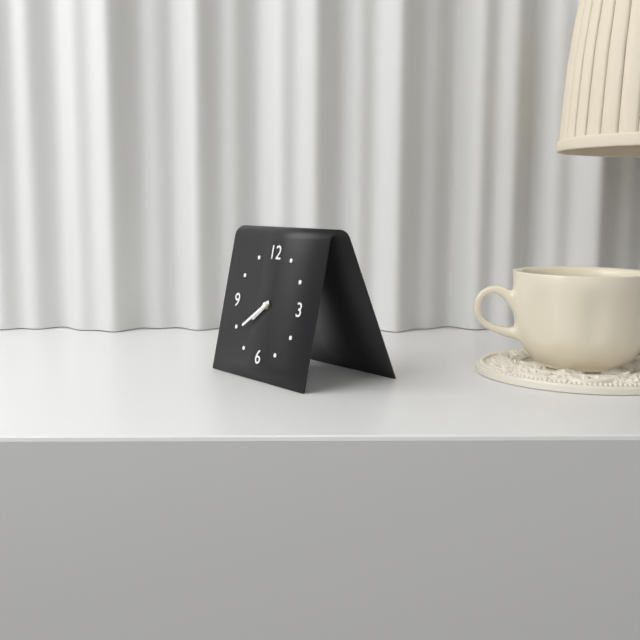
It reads 7:39
